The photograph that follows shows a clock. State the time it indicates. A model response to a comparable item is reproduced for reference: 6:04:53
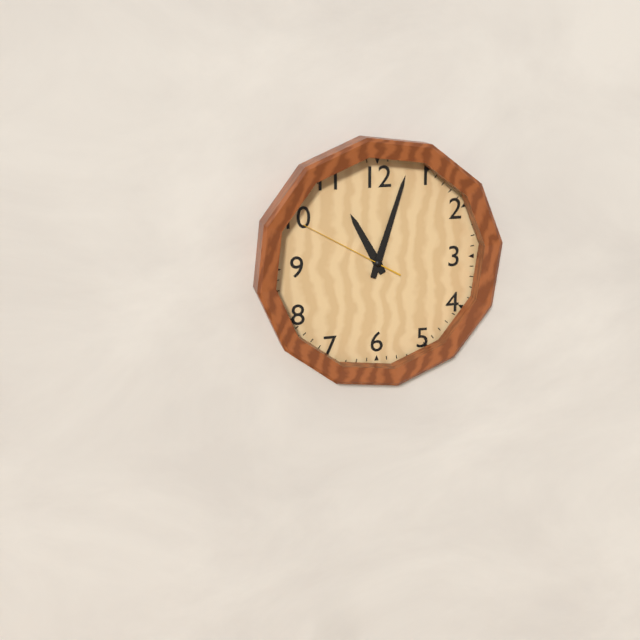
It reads 11:03:50
